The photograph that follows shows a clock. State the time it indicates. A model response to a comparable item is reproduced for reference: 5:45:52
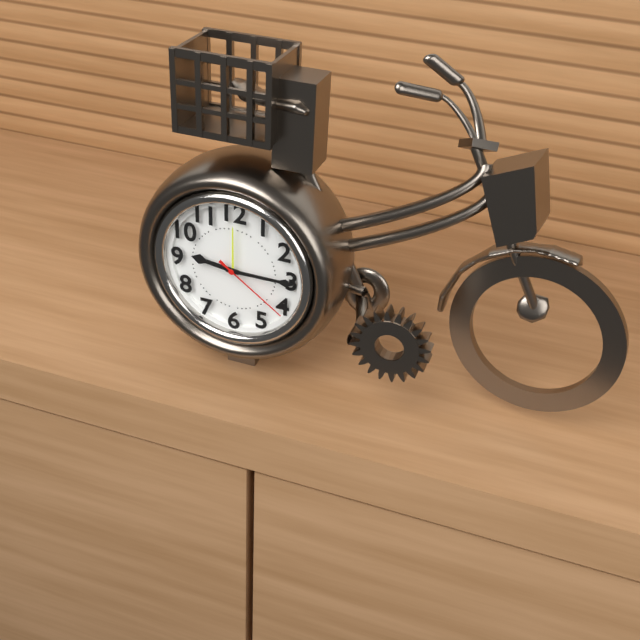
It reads 9:15:21
